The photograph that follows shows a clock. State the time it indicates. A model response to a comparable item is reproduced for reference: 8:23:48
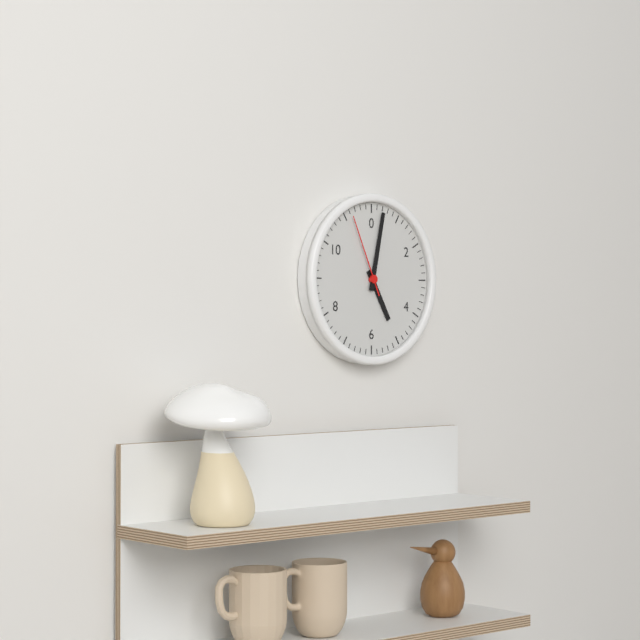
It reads 5:02:56
